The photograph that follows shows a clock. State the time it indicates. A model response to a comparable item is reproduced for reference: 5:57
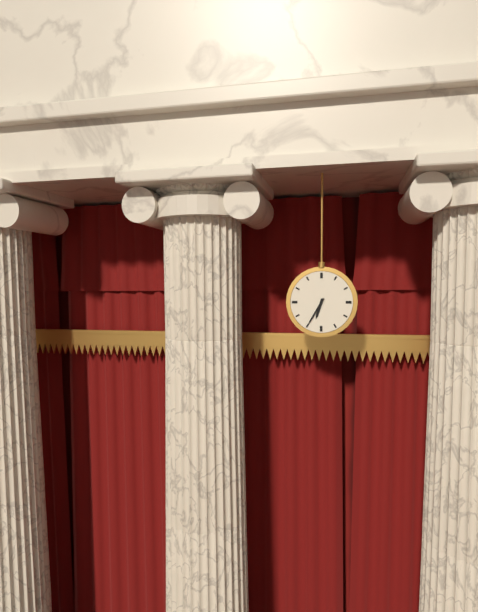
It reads 6:35
